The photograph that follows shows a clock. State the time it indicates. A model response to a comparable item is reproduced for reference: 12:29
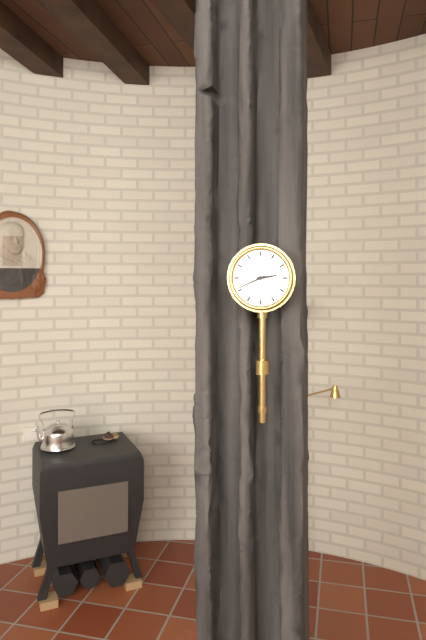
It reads 2:41
